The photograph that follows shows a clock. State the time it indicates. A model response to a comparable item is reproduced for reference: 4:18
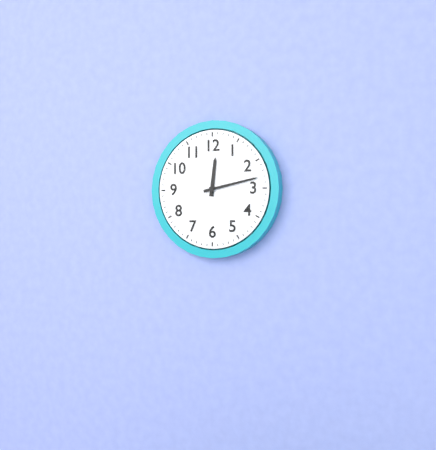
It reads 12:13
